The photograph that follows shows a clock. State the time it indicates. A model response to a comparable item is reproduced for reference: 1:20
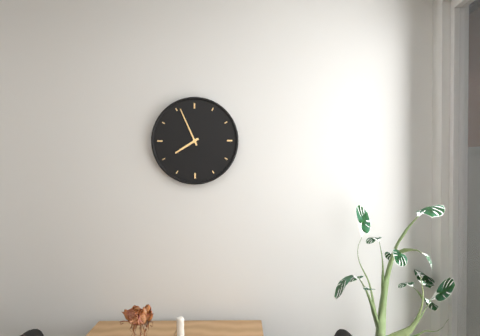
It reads 7:56
